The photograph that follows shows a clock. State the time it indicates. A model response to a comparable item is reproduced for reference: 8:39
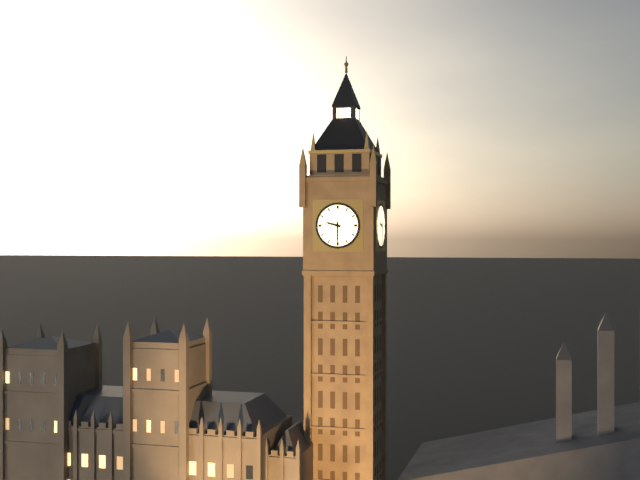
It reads 9:30
